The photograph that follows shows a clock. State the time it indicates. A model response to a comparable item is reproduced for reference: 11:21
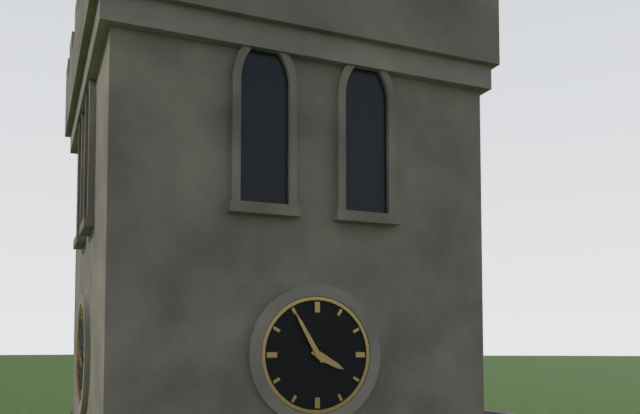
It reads 3:55
